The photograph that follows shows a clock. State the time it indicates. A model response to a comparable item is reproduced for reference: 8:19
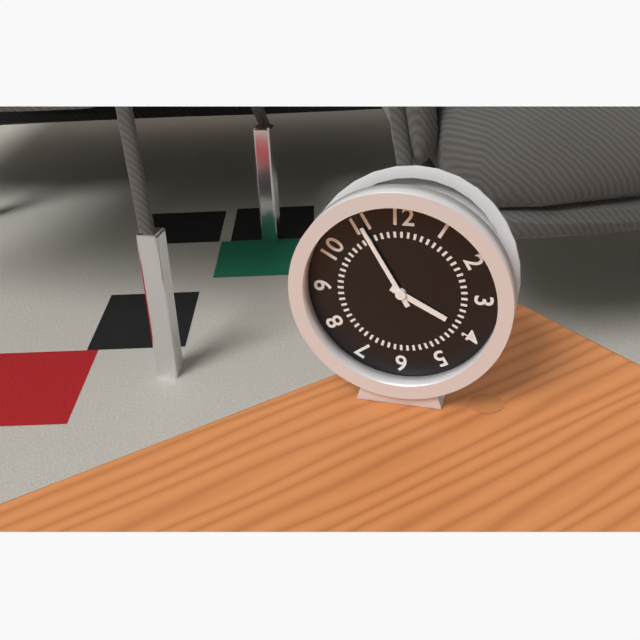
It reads 3:55
